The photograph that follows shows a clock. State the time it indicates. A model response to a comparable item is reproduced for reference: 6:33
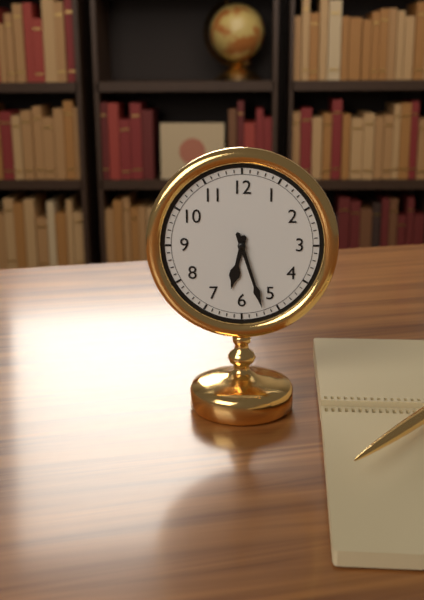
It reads 6:27
